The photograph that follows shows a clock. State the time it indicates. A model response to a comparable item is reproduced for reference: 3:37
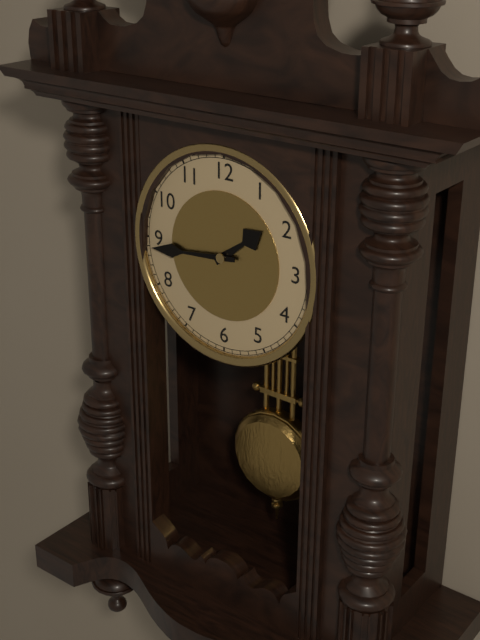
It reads 1:44
